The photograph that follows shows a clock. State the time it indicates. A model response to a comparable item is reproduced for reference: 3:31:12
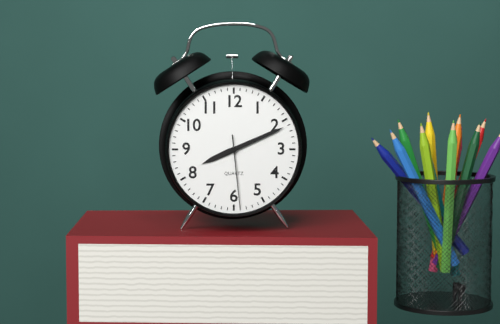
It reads 8:11:29
